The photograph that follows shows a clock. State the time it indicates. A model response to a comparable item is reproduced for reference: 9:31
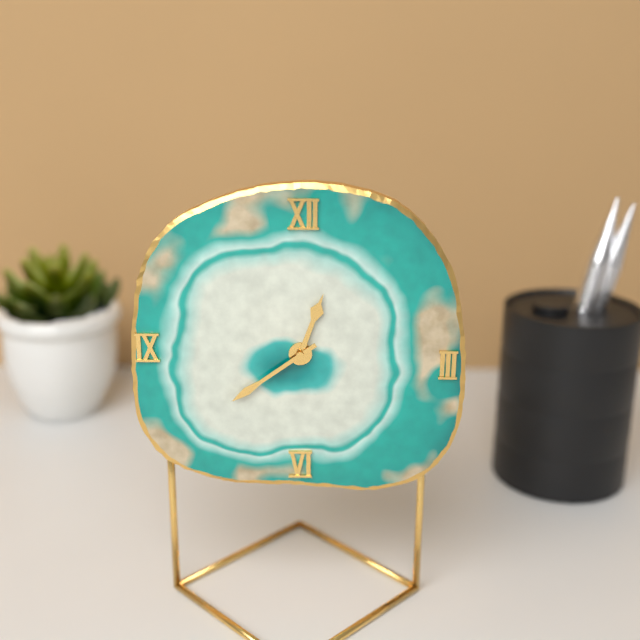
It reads 12:39
